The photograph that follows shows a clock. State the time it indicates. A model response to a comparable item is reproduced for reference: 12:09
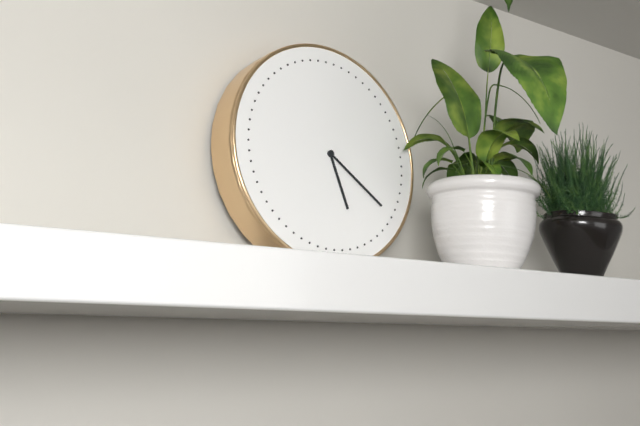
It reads 5:21
